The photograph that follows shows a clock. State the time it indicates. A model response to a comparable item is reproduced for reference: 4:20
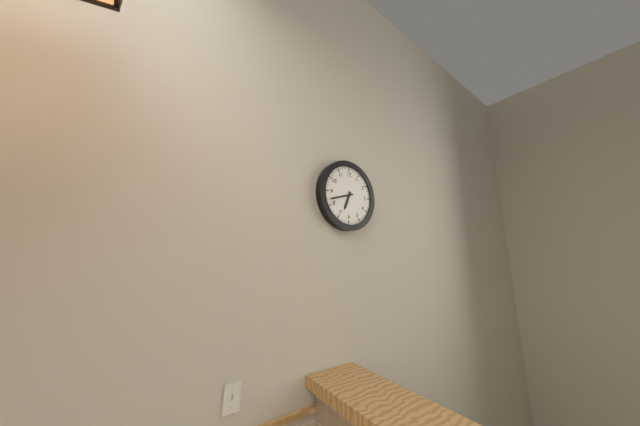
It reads 6:42
